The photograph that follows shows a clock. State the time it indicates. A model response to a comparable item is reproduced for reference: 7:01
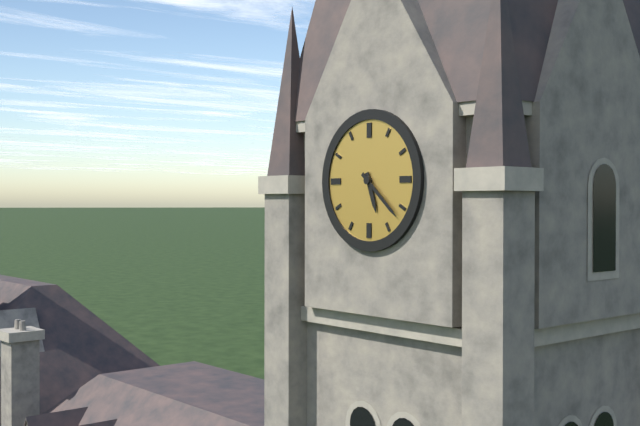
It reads 5:22
